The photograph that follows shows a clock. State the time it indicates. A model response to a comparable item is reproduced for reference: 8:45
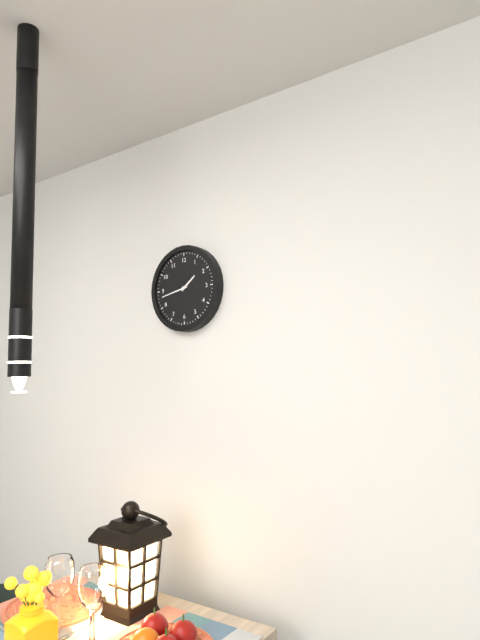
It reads 1:43
